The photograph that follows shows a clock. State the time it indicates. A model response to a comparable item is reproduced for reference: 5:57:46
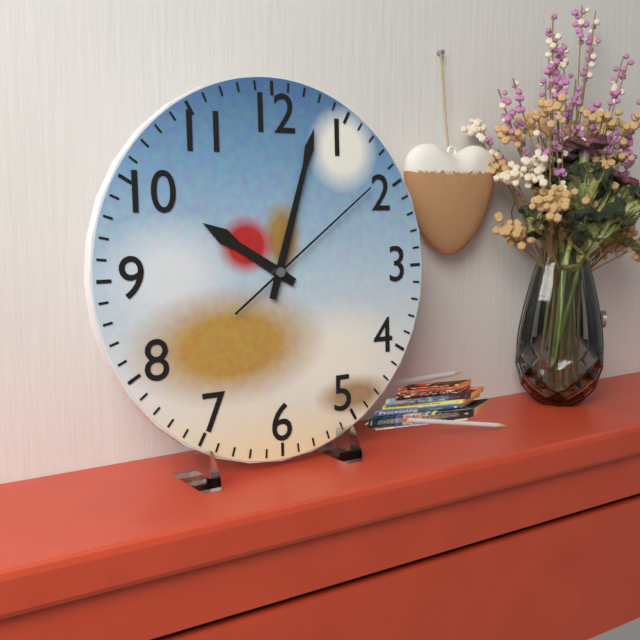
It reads 10:03:09
